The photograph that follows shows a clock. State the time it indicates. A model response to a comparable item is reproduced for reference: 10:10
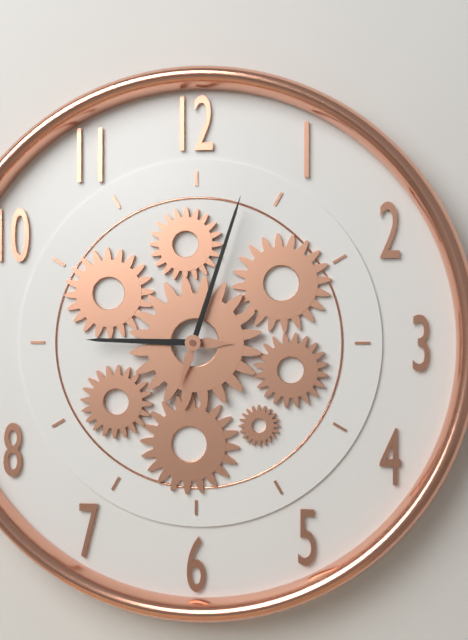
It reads 9:03
